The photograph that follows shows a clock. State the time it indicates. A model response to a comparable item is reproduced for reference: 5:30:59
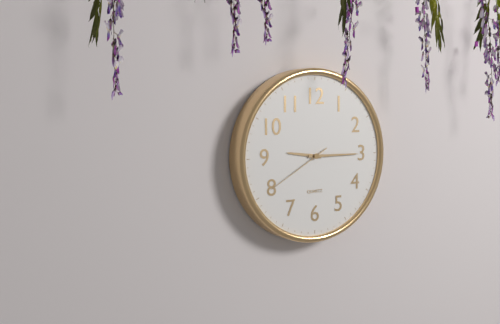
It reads 9:15:40
